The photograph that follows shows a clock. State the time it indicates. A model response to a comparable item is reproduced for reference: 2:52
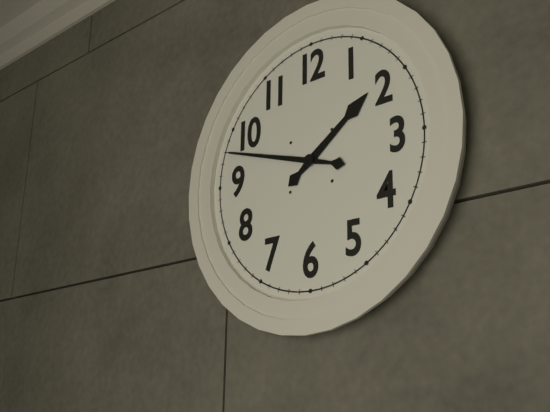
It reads 1:48
